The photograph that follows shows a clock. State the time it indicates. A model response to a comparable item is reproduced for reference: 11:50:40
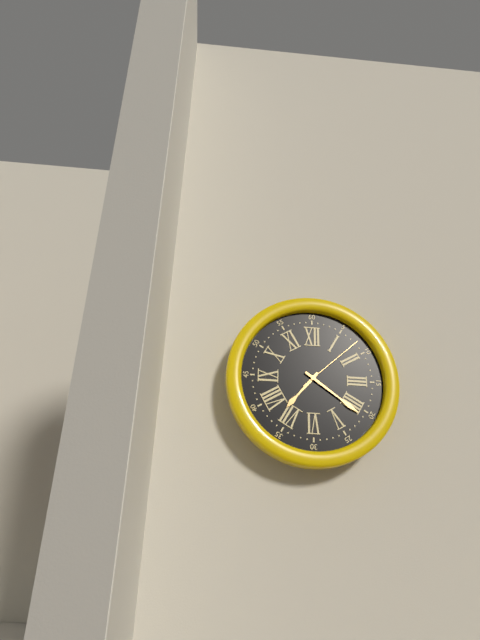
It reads 7:21:08
